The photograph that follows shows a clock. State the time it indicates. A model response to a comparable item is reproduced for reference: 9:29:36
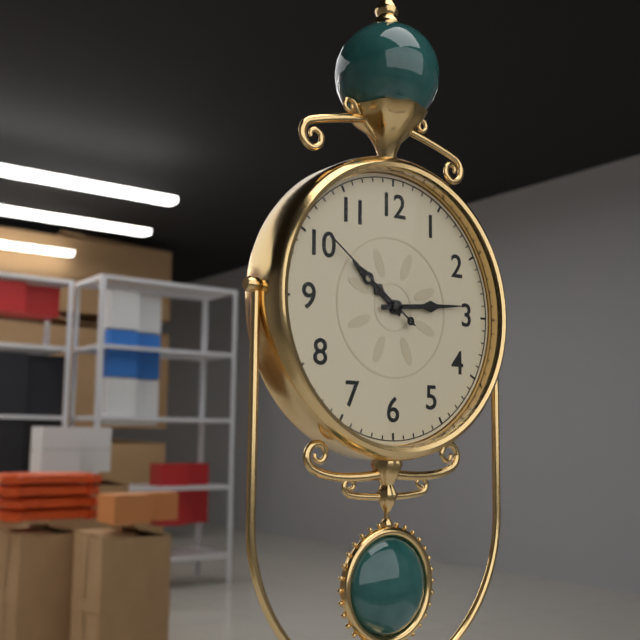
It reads 10:14:51
